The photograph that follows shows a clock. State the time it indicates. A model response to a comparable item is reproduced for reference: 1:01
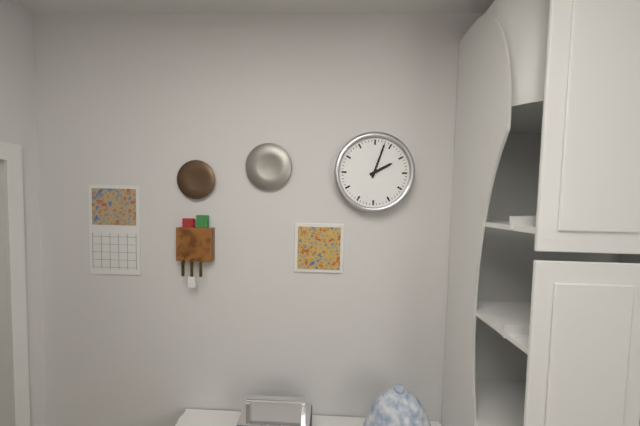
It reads 2:03
